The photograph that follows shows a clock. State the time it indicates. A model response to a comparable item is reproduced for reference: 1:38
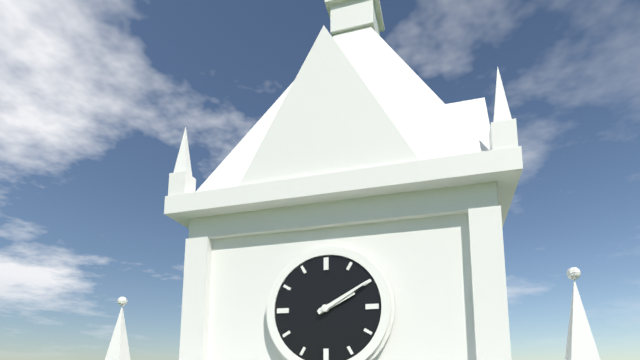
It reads 2:10
